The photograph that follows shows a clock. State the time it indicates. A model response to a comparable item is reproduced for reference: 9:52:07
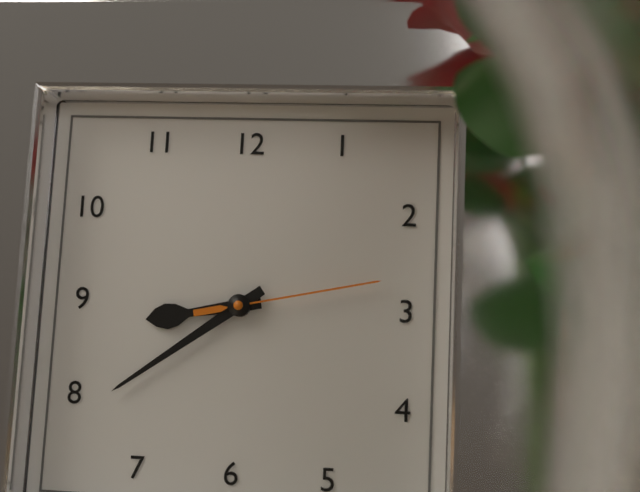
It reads 8:39:13
